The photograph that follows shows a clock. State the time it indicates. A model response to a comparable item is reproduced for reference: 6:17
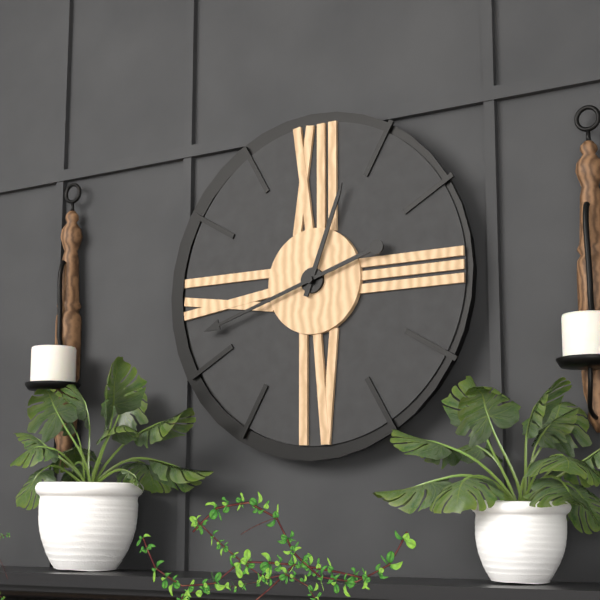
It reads 12:42
